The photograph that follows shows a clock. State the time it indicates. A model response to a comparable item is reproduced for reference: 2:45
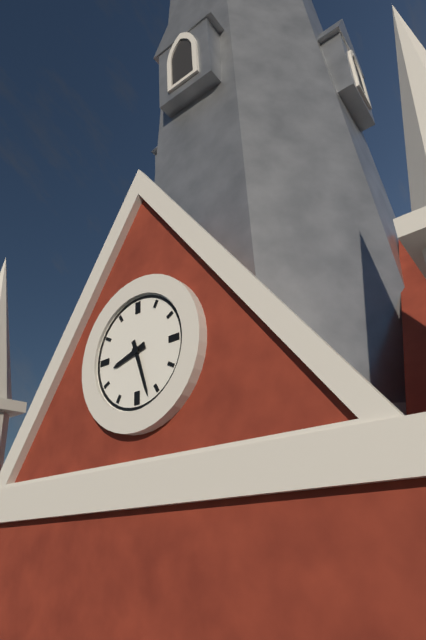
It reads 8:27
